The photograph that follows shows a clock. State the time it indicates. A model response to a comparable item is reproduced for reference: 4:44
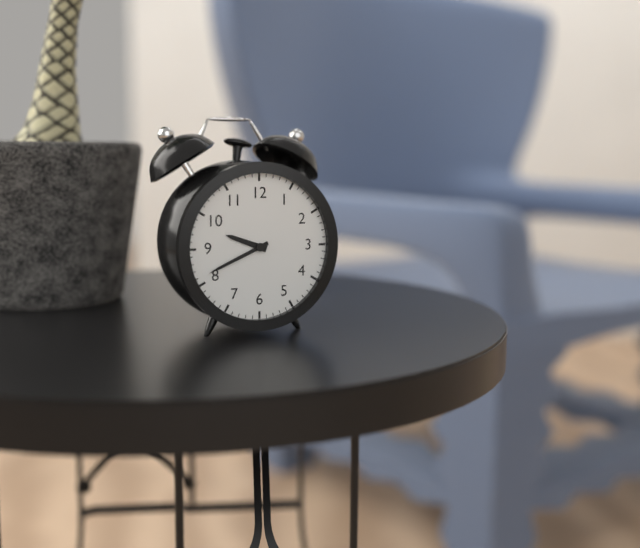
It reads 9:41
